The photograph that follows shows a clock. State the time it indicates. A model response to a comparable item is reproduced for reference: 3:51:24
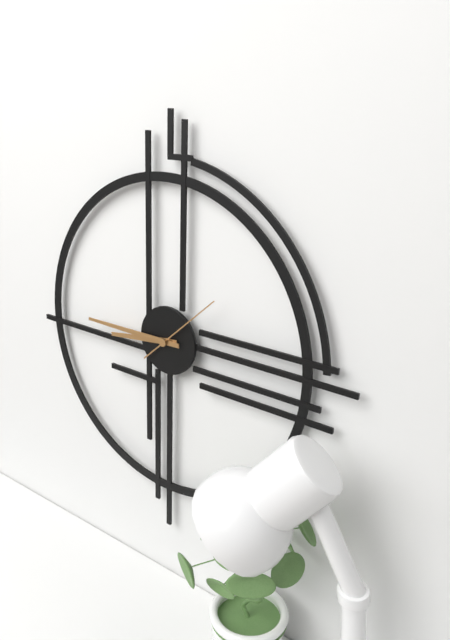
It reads 8:45:08
